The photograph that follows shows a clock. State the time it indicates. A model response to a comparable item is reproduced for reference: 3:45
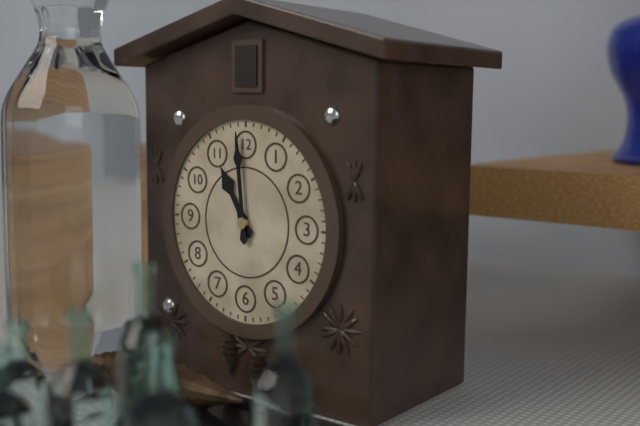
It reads 10:59
